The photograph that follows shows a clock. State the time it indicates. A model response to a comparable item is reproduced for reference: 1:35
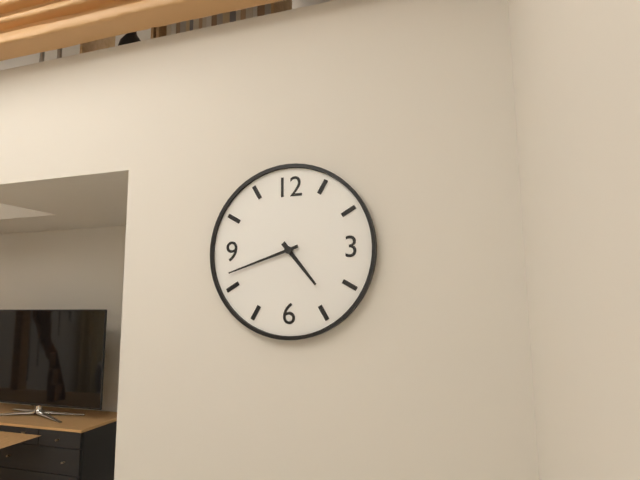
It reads 4:42
